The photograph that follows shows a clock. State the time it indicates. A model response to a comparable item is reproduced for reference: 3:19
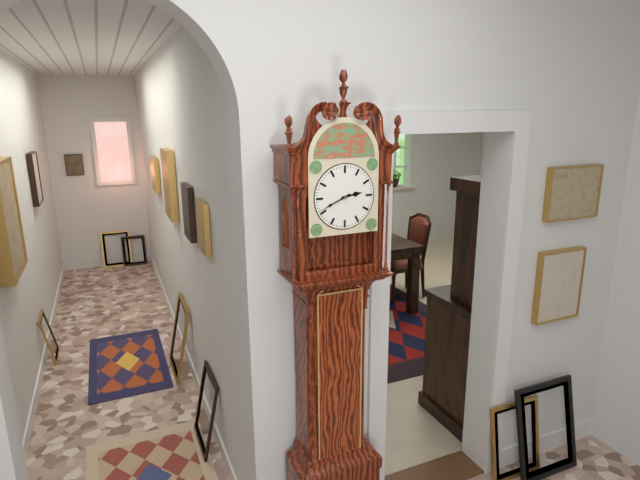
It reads 2:41
